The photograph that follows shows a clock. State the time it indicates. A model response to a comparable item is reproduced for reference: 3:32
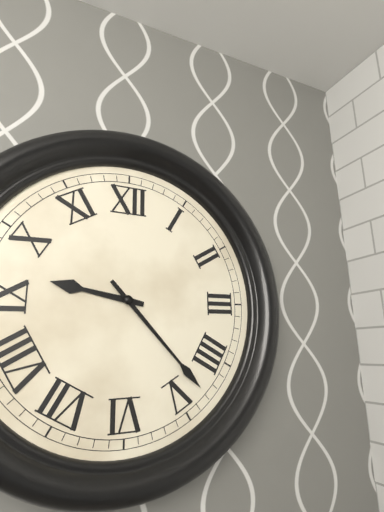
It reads 9:23
